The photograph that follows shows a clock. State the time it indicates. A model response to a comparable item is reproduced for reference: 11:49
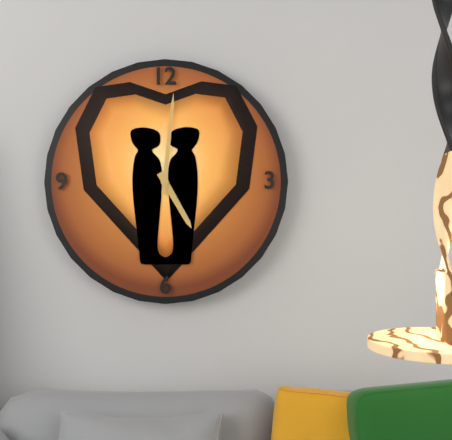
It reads 5:01
